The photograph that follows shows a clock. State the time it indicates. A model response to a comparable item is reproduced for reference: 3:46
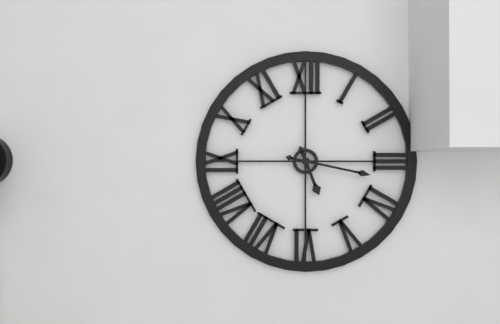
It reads 5:17
